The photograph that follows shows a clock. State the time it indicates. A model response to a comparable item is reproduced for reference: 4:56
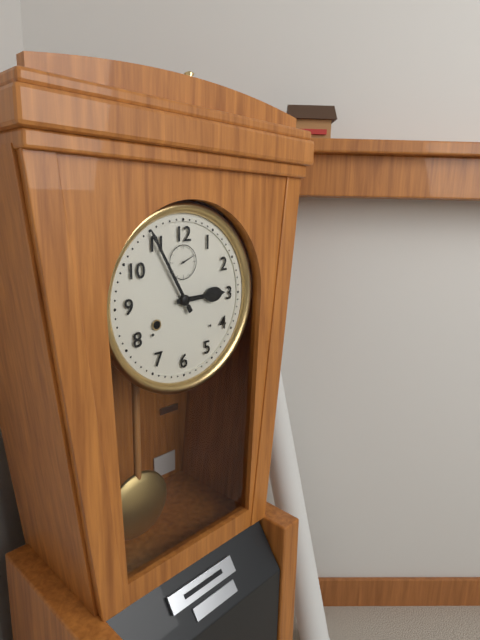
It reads 2:55
